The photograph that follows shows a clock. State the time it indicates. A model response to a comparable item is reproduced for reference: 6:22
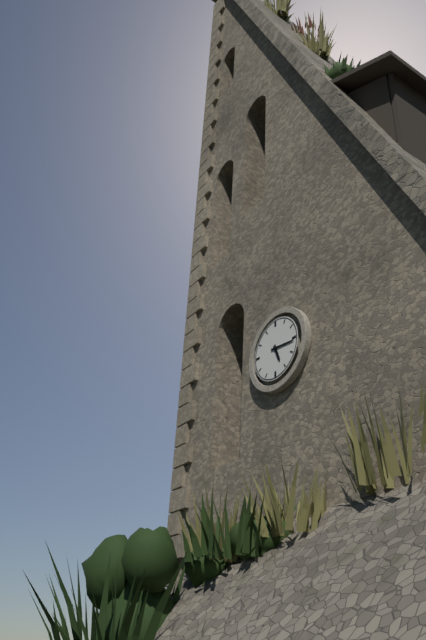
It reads 5:16
